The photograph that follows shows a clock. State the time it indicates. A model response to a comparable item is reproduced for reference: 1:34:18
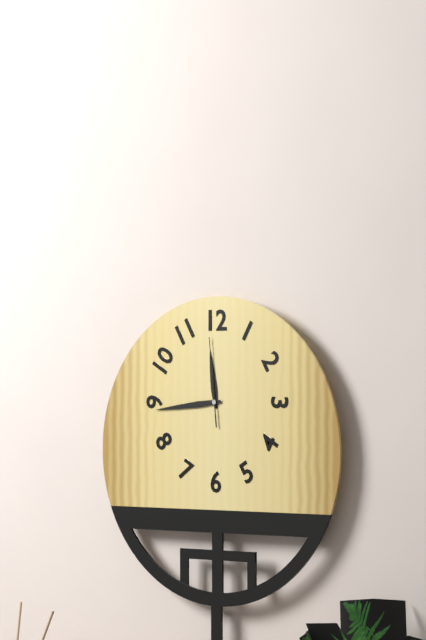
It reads 11:44:59
